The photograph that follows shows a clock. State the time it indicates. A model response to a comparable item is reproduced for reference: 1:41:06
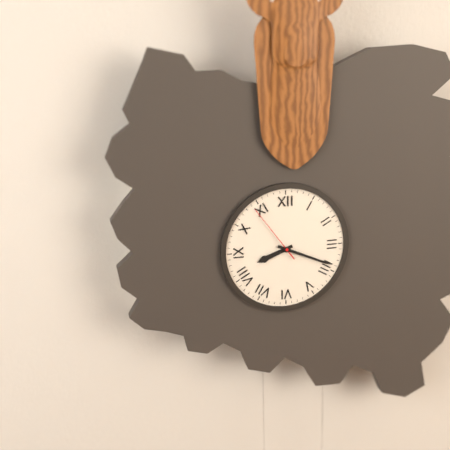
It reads 8:19:54
